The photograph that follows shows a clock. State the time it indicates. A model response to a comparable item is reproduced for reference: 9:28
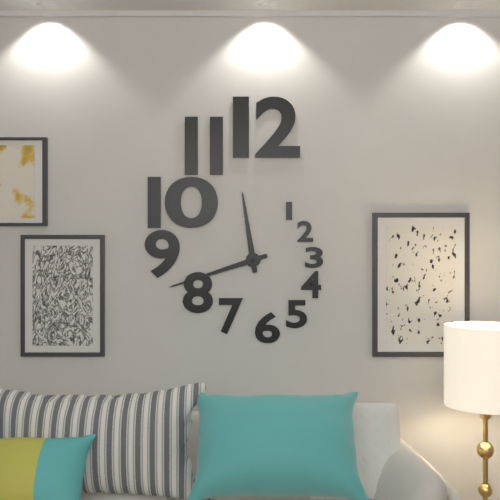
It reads 11:42
